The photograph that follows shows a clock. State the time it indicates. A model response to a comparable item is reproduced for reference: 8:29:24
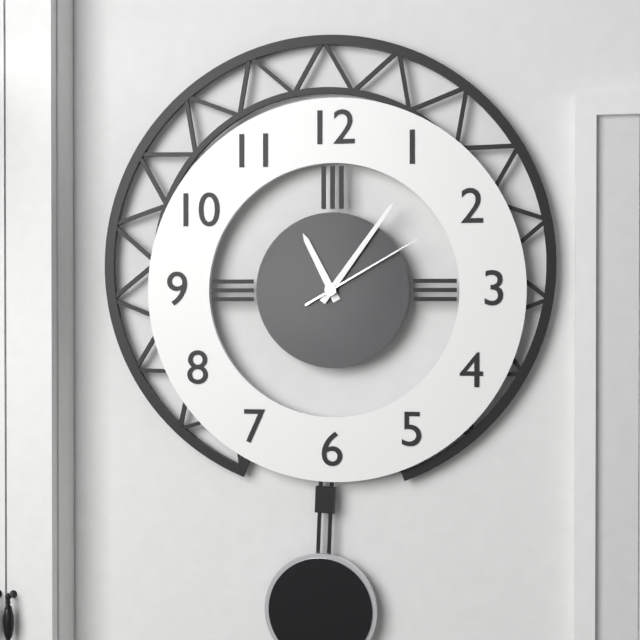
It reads 11:06:10
